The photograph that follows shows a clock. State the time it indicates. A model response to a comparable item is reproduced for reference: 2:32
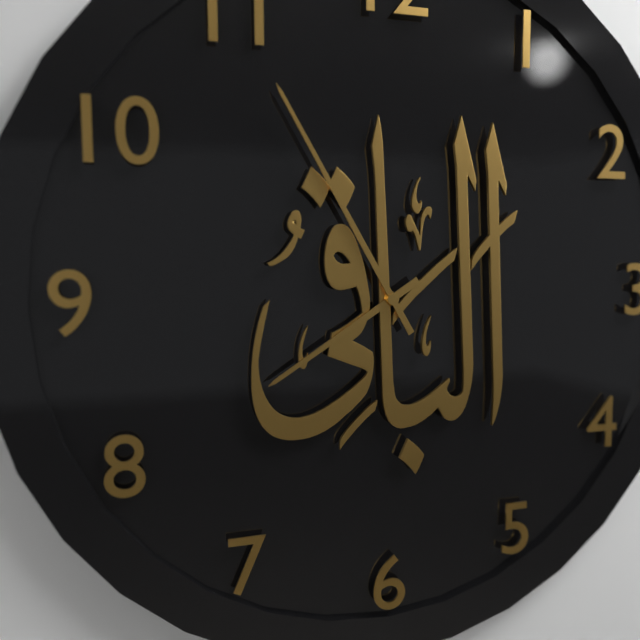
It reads 7:55
